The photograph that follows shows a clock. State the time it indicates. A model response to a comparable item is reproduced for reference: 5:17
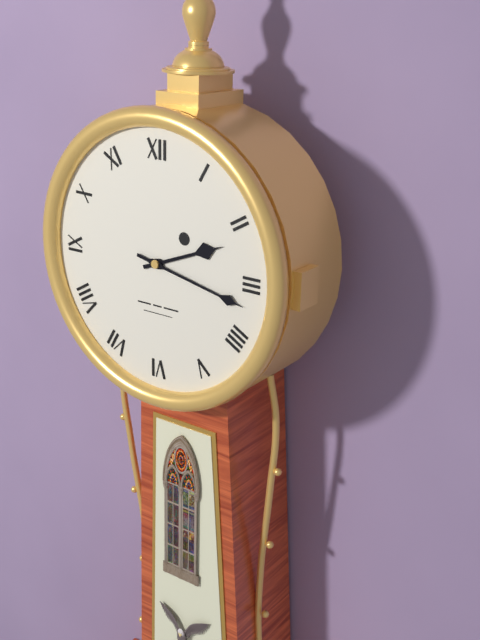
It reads 2:17
